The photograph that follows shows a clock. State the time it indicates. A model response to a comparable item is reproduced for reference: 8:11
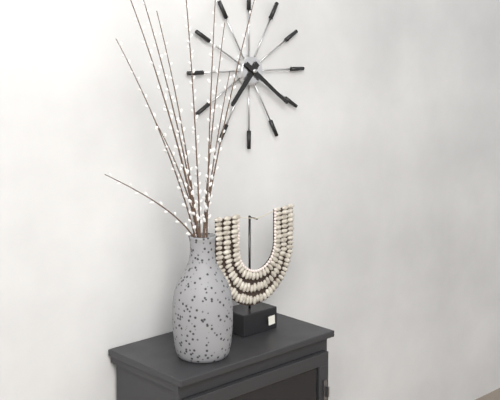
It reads 7:21
